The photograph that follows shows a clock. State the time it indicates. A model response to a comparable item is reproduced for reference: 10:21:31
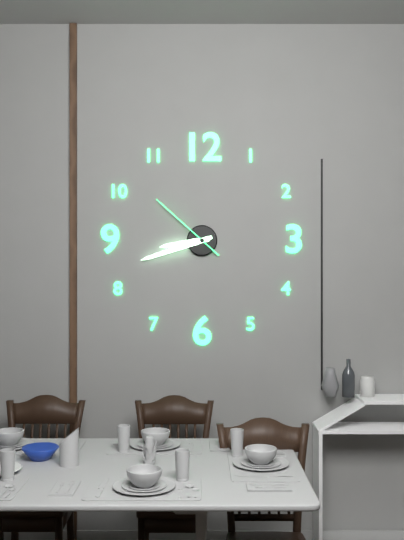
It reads 8:42:52
